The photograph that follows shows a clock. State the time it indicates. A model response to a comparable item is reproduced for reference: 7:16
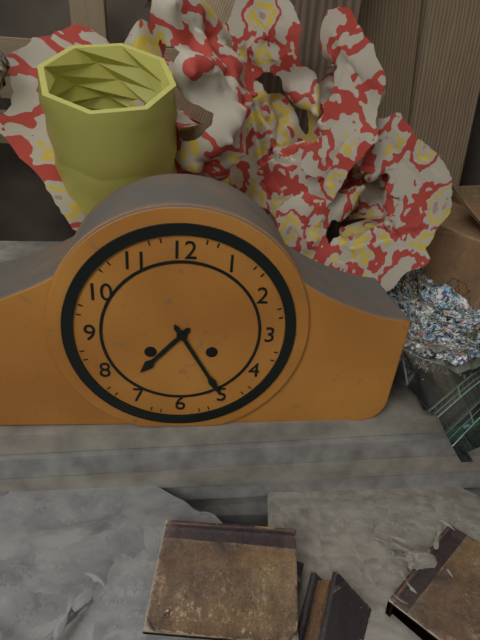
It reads 7:25
